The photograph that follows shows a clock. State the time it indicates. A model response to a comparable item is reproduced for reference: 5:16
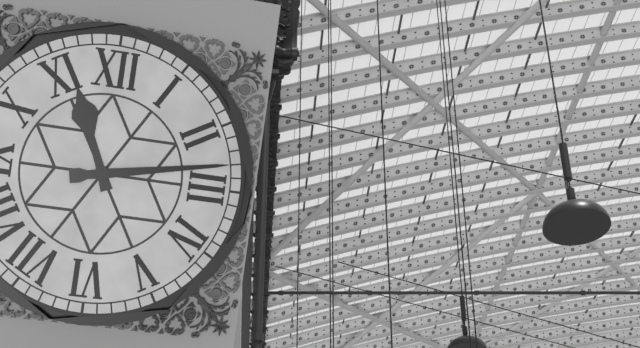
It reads 11:13
